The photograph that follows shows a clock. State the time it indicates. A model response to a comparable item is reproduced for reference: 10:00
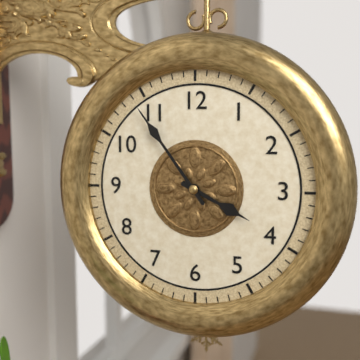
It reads 3:54
